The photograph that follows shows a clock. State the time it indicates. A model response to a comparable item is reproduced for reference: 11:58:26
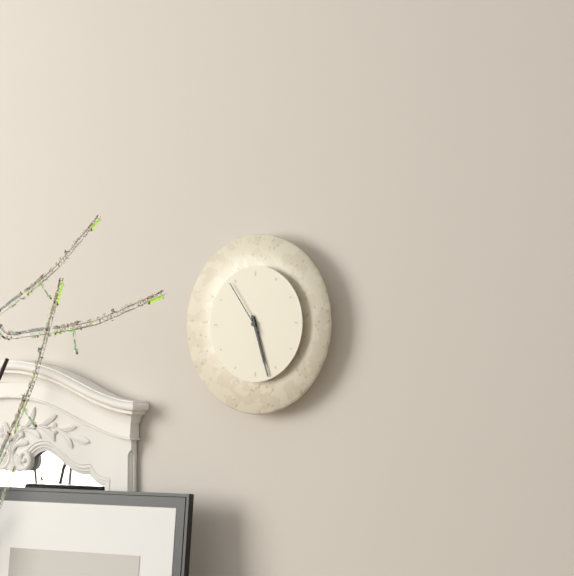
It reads 5:27:54
